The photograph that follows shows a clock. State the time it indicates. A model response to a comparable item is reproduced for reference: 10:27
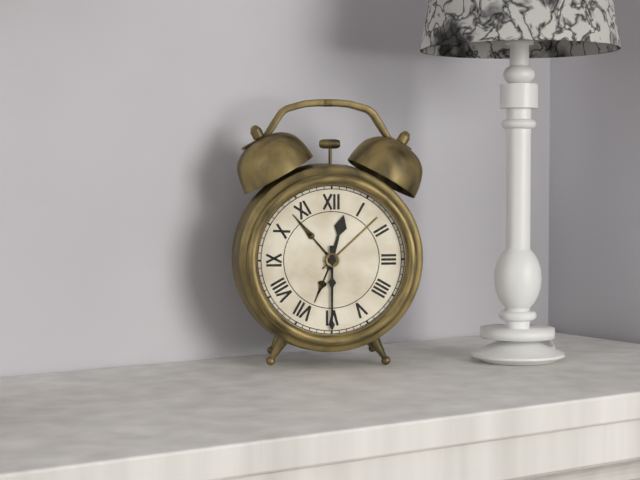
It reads 12:30
